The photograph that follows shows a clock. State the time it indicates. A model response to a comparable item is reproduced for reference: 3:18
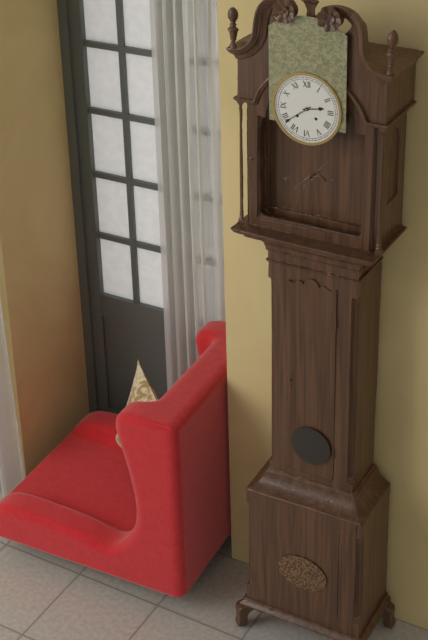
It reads 2:39
